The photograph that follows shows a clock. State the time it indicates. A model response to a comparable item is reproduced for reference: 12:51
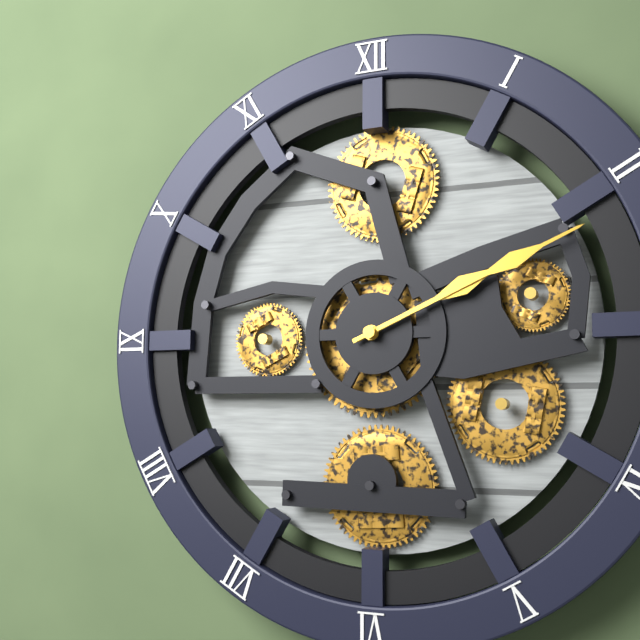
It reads 2:11
